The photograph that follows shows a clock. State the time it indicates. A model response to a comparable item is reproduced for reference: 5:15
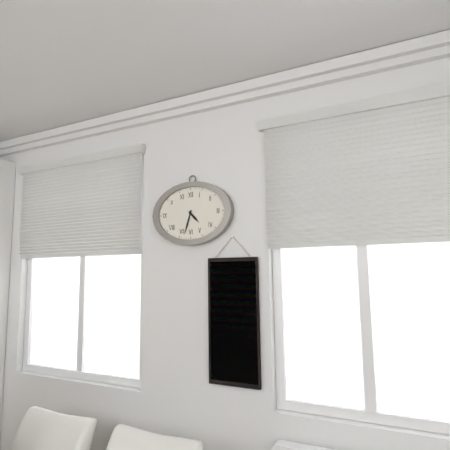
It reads 4:33
